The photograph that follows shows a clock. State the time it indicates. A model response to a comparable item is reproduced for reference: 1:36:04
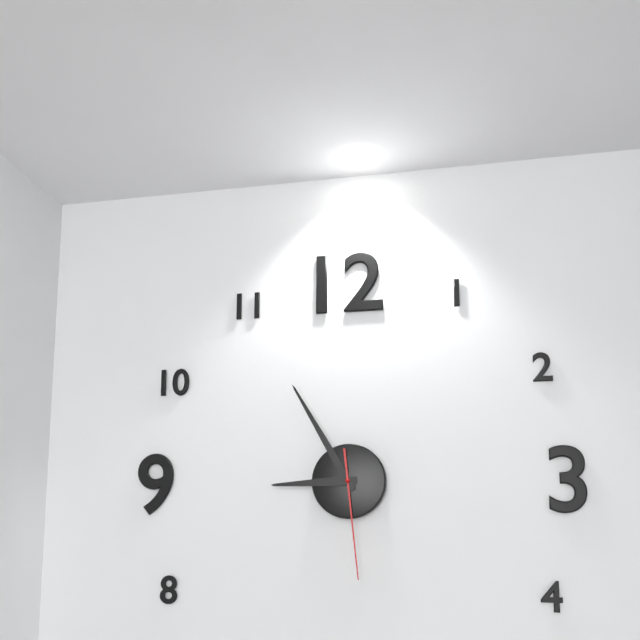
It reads 8:55:29
